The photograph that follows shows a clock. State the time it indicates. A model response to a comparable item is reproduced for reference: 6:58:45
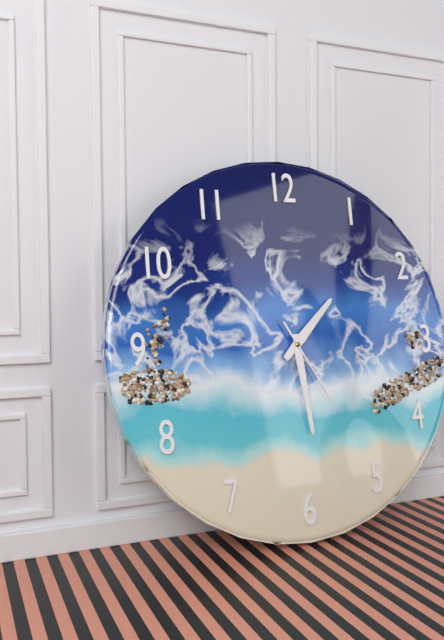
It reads 1:29:25
